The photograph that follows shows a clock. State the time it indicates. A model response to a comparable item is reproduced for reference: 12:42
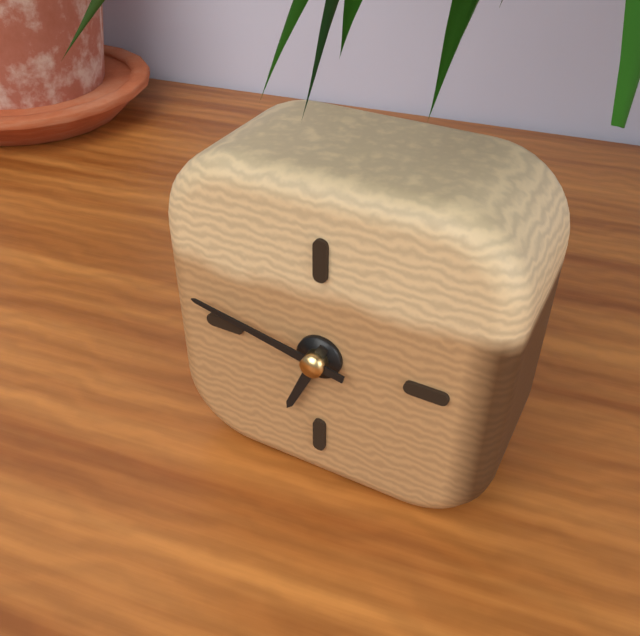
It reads 6:47
